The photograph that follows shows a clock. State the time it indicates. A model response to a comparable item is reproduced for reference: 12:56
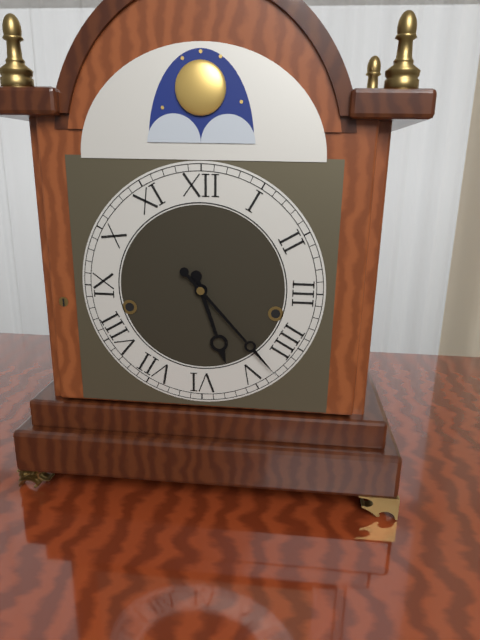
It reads 5:23
